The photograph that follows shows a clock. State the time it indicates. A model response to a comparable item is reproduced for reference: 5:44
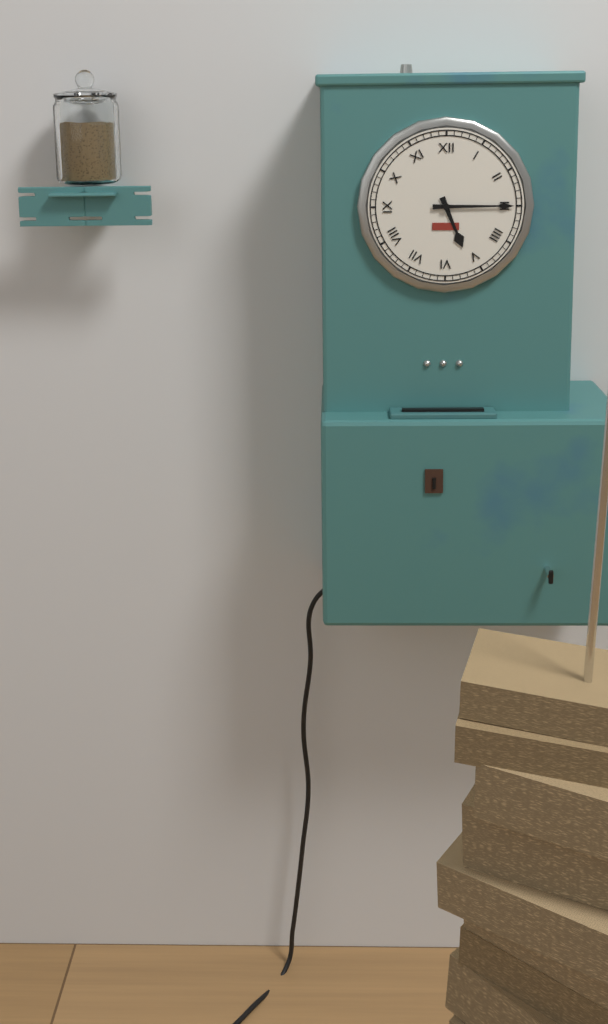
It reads 5:15
